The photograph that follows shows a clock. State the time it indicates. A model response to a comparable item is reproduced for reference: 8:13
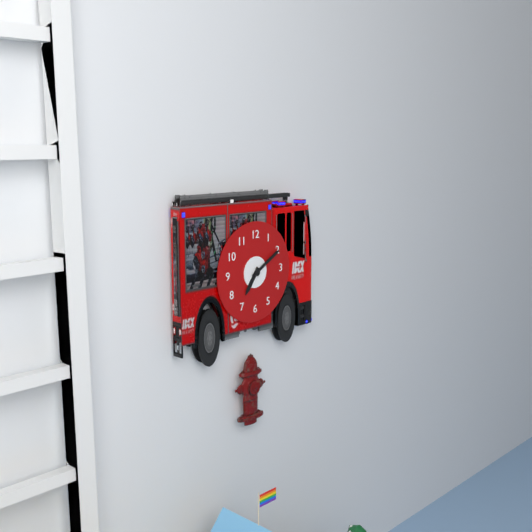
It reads 7:10
